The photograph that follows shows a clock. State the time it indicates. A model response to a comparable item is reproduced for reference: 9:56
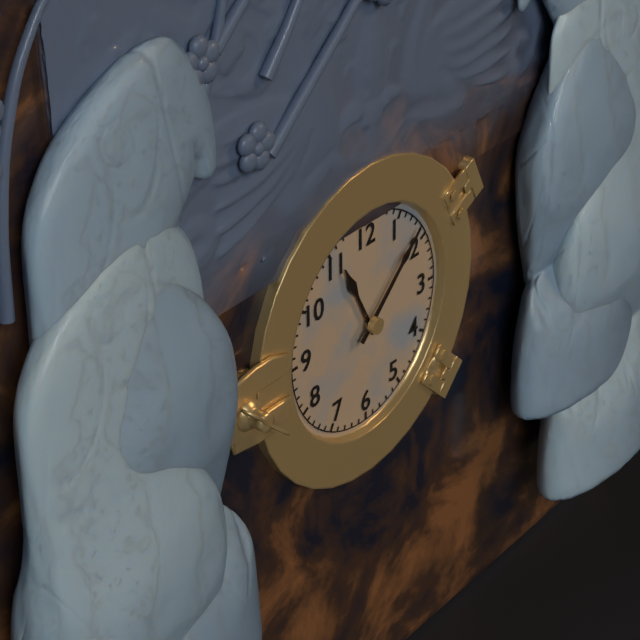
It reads 11:08
